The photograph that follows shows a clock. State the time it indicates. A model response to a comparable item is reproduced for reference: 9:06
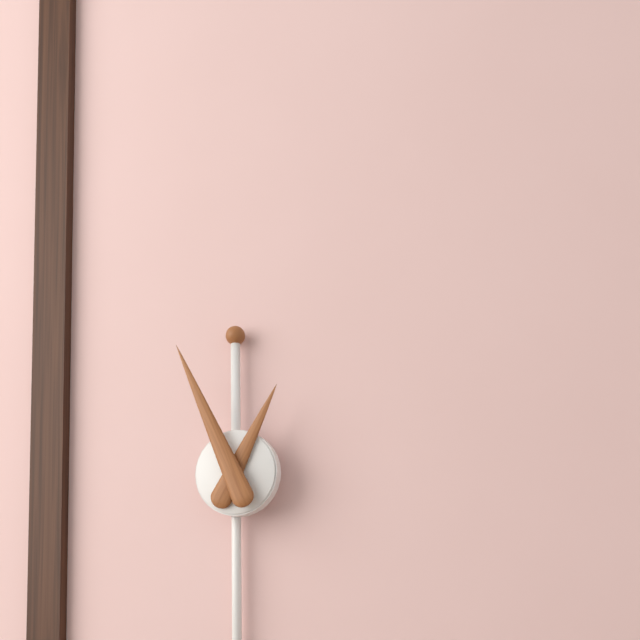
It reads 12:56
